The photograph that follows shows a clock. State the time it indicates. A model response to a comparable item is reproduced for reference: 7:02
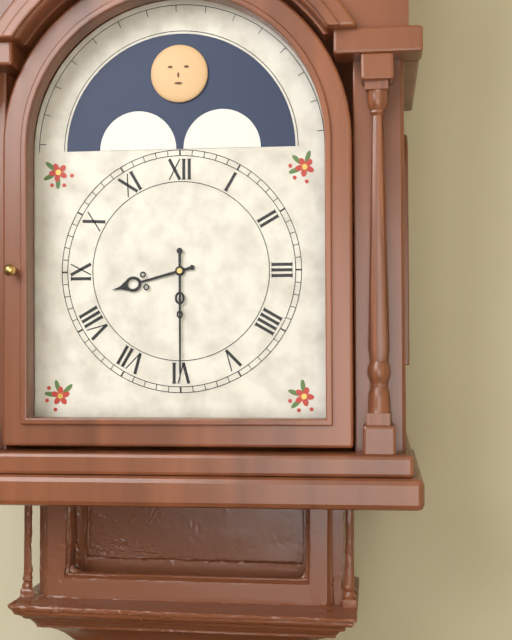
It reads 8:30
